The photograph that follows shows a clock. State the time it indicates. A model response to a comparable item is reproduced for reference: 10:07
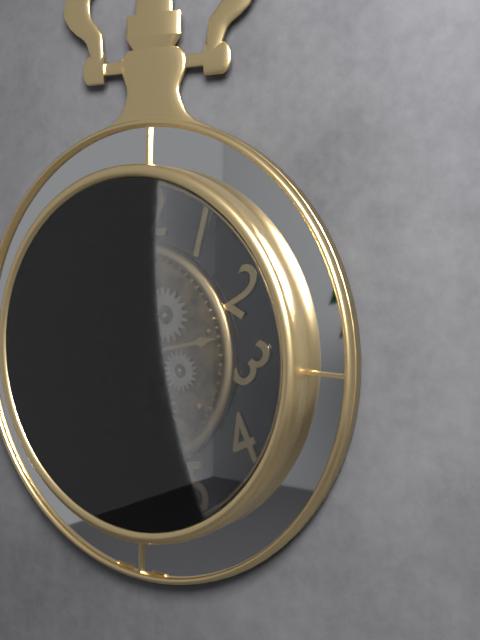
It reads 2:32
